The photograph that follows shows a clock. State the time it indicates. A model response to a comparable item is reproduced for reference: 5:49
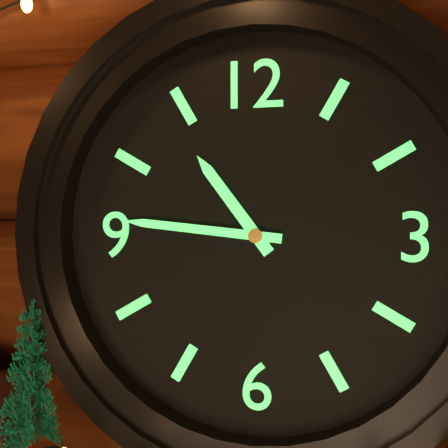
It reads 10:46
